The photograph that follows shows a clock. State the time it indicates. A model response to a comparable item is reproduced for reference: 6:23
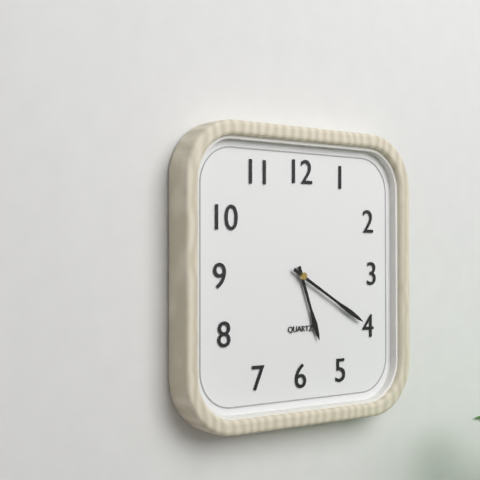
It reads 5:20
